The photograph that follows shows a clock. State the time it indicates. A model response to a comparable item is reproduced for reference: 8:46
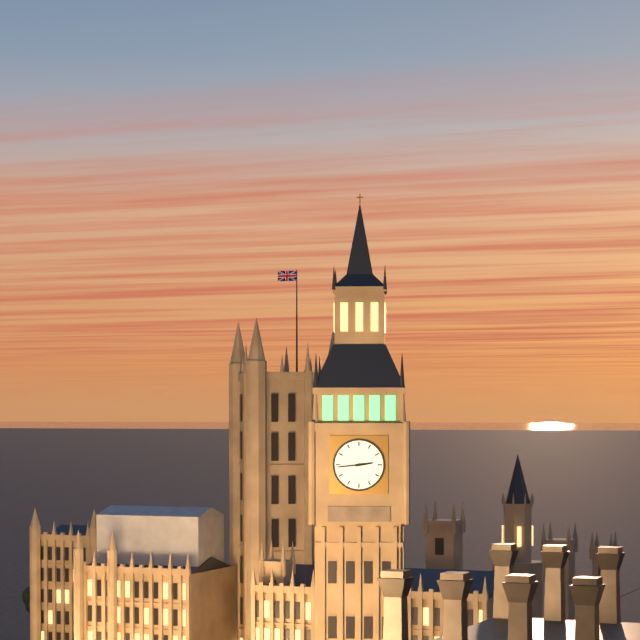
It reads 2:44
